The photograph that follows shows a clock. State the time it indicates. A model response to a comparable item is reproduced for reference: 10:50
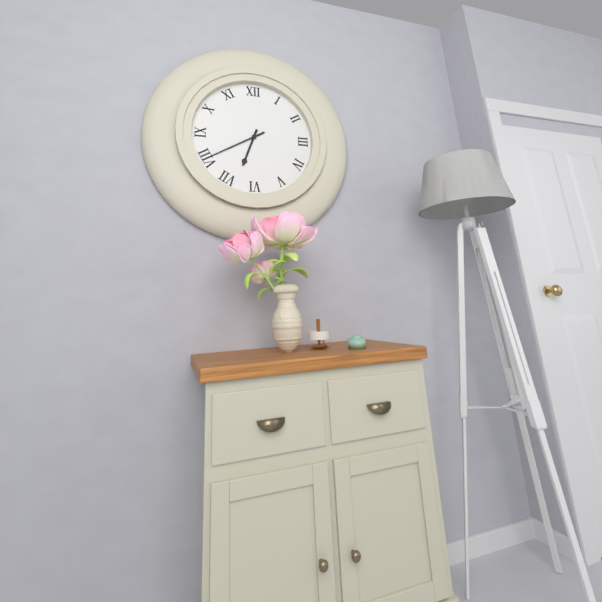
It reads 6:40
